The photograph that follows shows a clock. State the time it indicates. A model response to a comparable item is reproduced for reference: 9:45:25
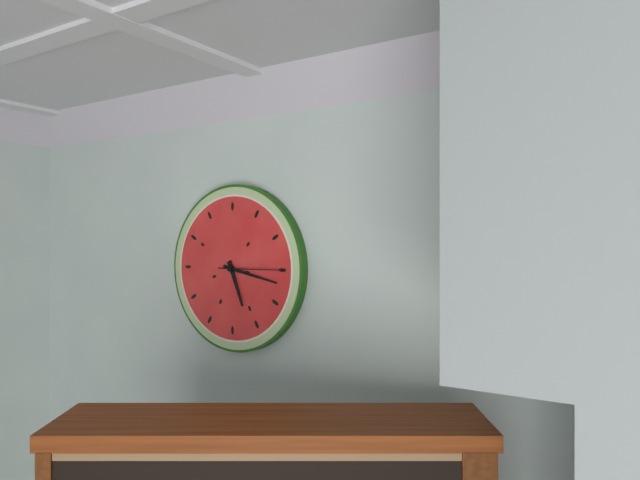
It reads 5:17:15
